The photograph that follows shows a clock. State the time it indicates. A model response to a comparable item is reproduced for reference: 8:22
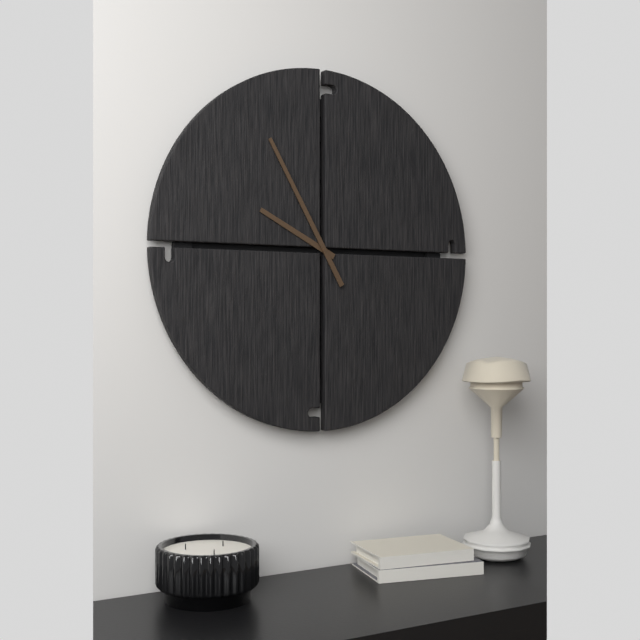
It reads 9:55
